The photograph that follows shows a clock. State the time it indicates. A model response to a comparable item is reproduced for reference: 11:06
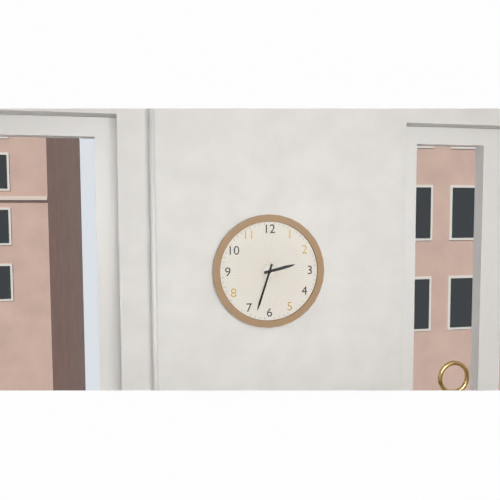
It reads 2:33
